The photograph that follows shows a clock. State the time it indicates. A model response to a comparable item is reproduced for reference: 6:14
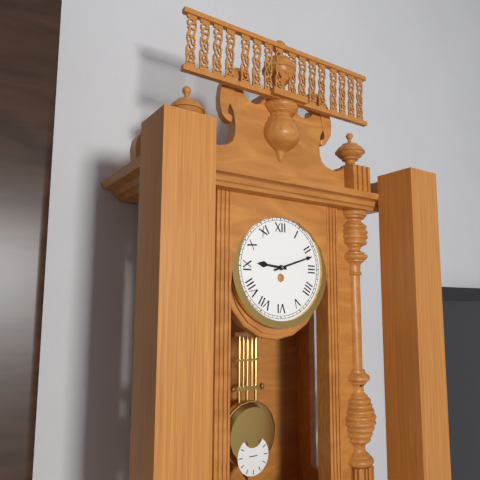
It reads 9:12
